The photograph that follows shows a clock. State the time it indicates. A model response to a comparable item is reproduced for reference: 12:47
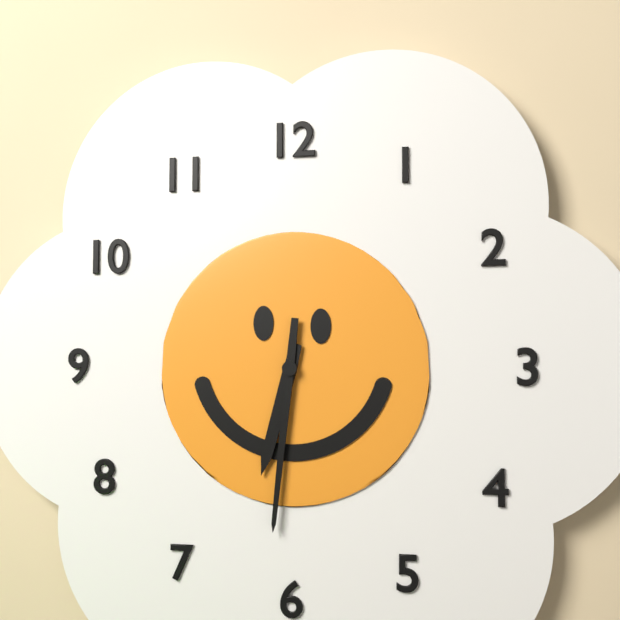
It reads 6:31
